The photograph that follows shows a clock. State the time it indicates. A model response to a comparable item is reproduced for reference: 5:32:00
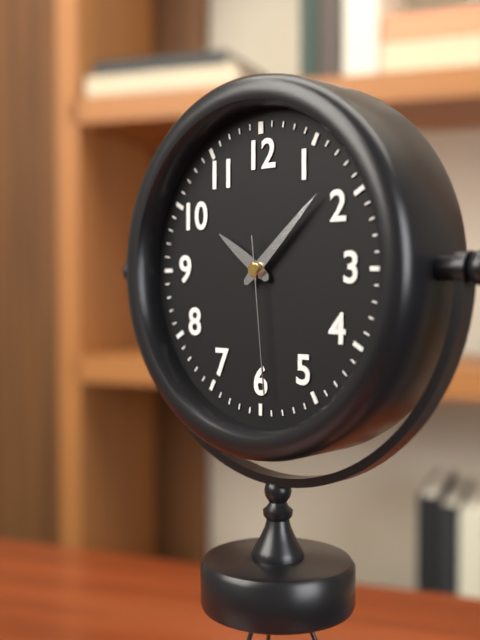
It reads 10:08:29
